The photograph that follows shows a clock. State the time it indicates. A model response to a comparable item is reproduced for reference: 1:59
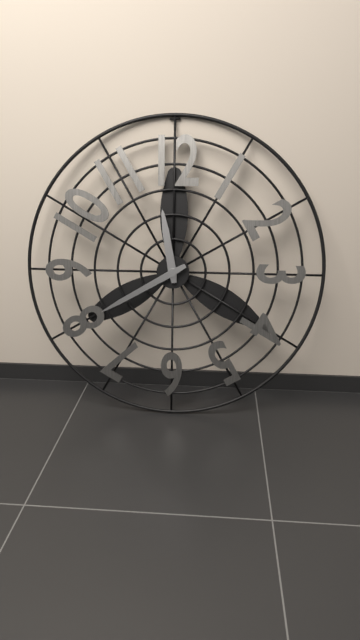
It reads 11:40
